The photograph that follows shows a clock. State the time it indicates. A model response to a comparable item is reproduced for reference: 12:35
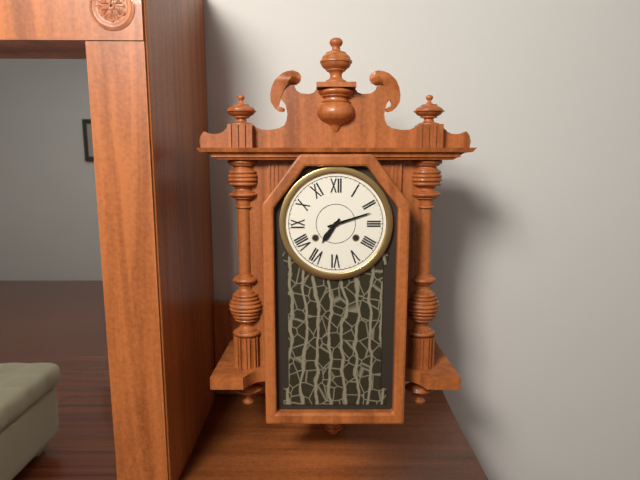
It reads 7:12
